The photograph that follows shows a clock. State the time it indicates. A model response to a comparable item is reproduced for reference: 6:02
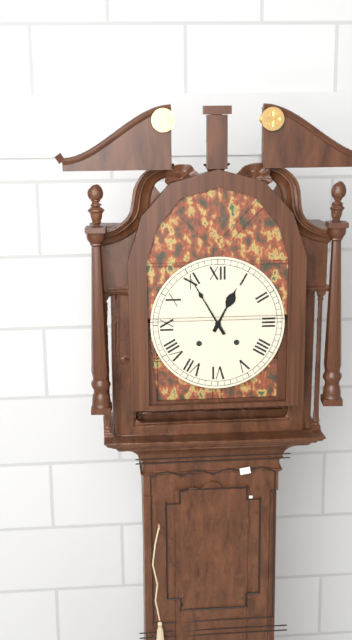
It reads 12:55
